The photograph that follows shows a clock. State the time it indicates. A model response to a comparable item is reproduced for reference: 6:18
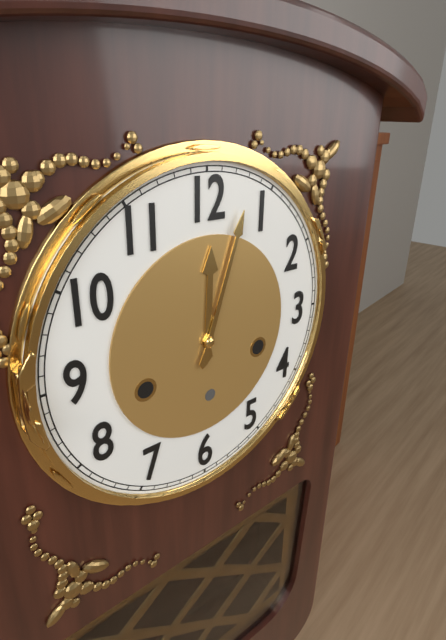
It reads 12:03
